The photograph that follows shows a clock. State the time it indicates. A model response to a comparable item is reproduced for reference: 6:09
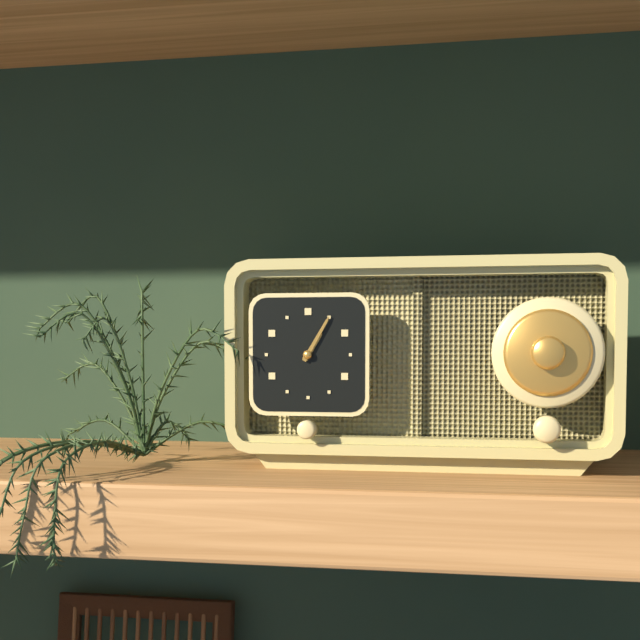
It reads 1:05
